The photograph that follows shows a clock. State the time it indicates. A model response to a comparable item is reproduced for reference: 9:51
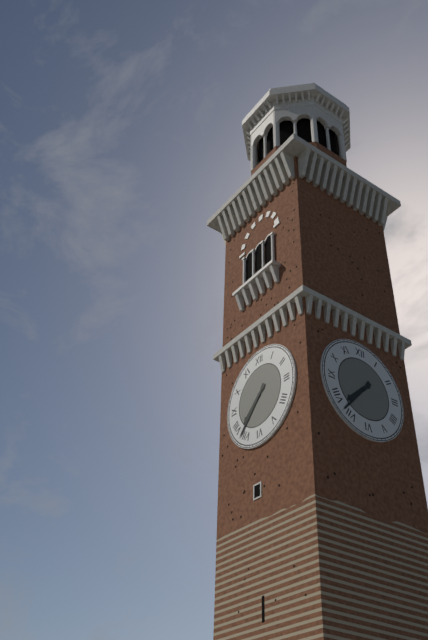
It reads 7:37
